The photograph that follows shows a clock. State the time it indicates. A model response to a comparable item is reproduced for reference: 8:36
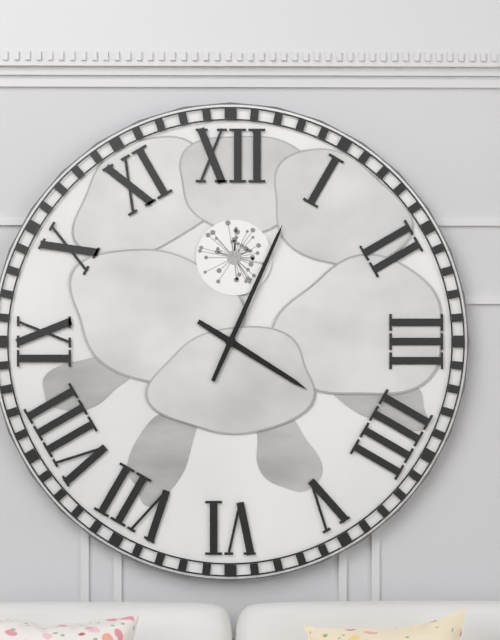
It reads 4:04
